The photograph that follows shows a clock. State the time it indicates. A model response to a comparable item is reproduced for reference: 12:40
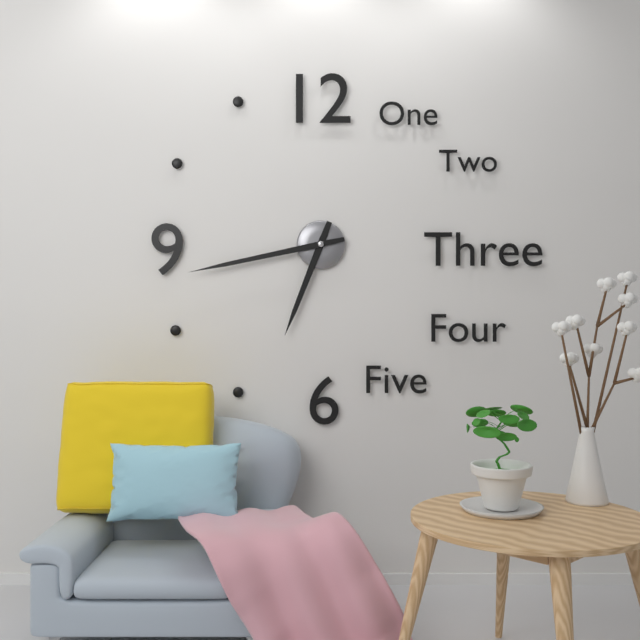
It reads 6:43
